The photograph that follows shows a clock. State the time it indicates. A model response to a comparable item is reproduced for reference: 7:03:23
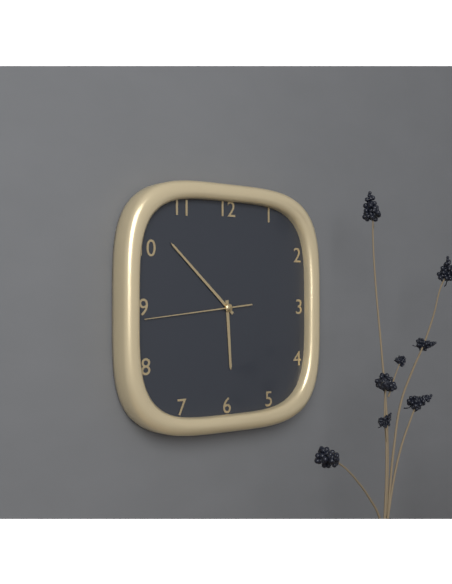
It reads 5:52:44
